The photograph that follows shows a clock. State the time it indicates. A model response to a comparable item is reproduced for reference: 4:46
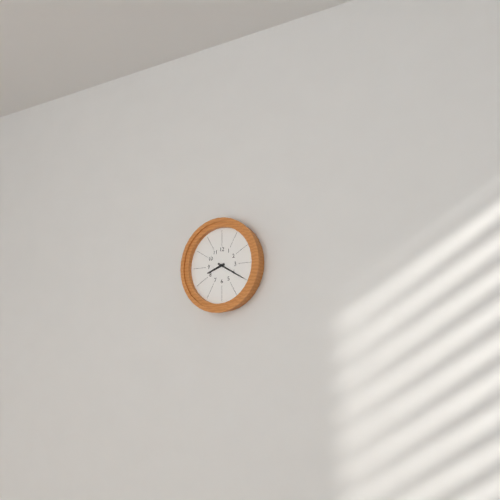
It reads 8:20
